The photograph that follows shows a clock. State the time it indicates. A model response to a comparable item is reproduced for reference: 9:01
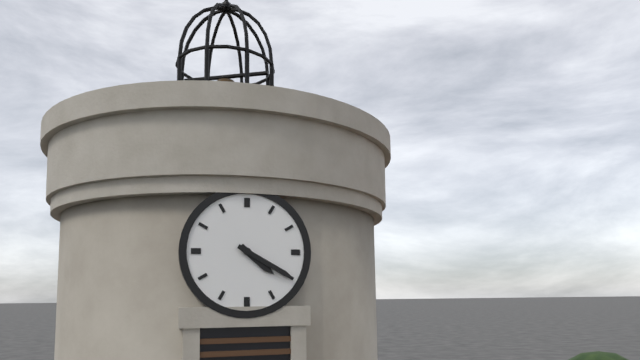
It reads 4:20
